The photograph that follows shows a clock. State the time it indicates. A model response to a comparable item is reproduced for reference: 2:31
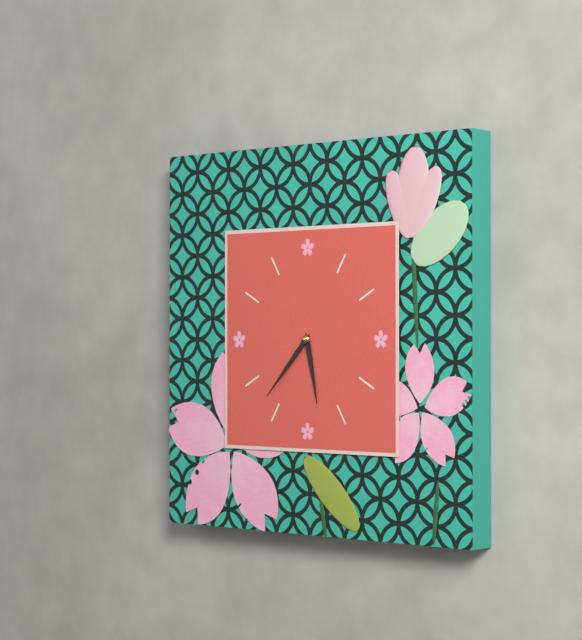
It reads 5:37
